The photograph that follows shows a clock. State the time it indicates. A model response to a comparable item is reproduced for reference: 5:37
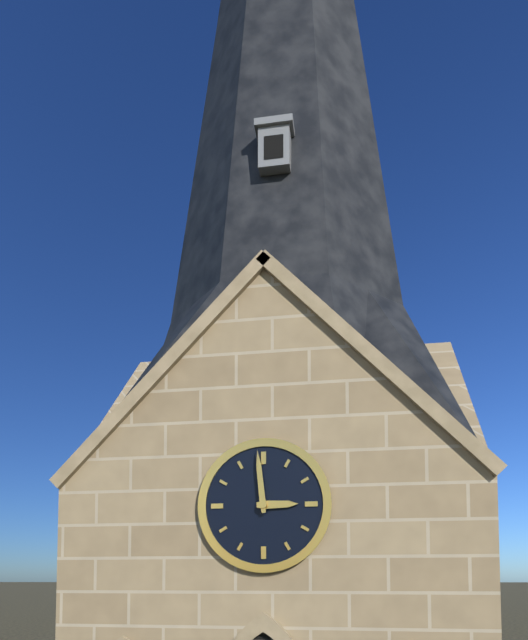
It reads 2:59
